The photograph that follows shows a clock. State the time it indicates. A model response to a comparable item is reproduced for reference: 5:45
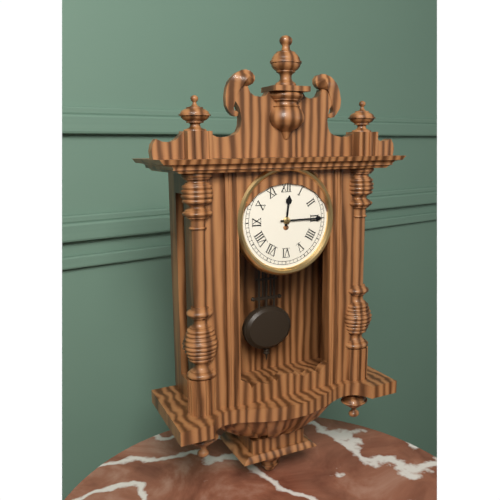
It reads 12:15
